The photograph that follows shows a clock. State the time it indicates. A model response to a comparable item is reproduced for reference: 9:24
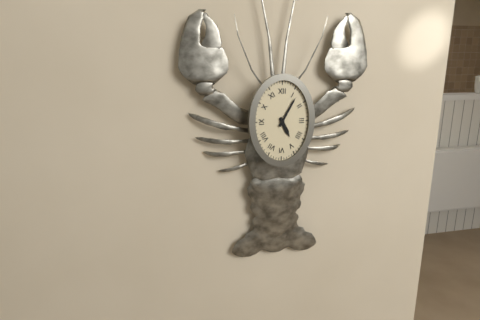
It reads 5:05
